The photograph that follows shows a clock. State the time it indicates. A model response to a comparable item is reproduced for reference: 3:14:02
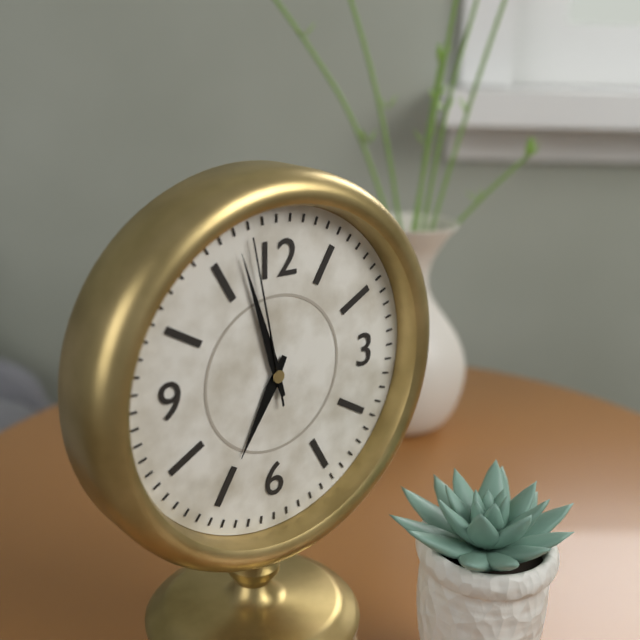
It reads 6:57:58
